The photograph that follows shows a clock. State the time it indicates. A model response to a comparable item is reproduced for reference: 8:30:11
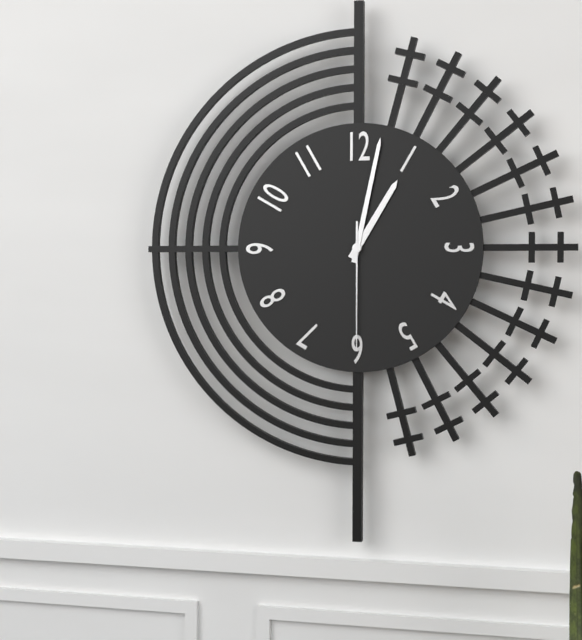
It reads 1:02:30
